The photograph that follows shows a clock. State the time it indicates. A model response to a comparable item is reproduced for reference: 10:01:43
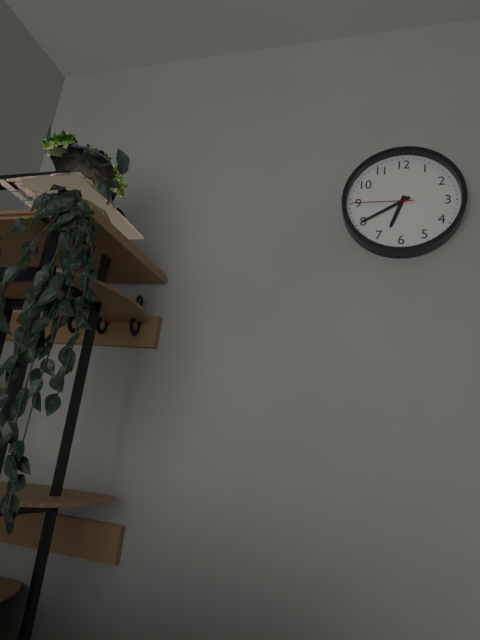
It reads 6:40:45
